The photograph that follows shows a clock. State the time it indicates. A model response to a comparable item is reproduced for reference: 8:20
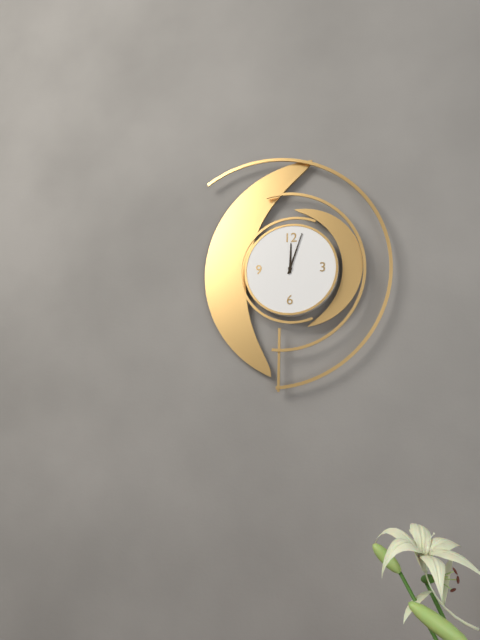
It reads 12:03
